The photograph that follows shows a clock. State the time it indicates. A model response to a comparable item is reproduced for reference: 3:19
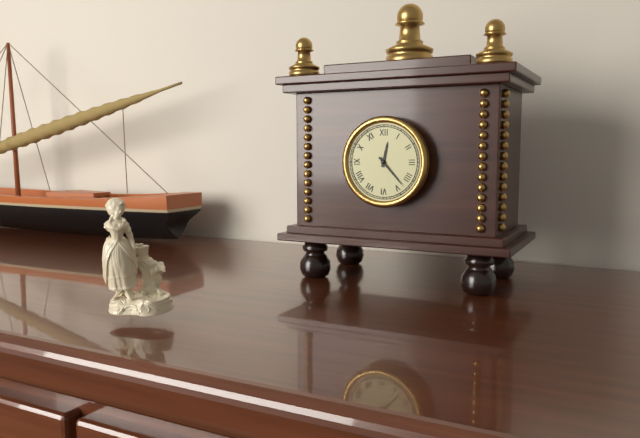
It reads 12:23
